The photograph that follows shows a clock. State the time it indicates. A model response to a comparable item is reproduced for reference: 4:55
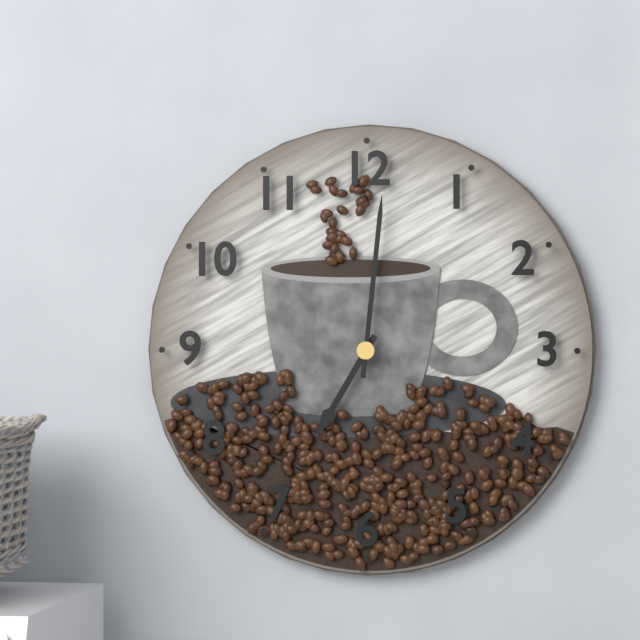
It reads 7:01
